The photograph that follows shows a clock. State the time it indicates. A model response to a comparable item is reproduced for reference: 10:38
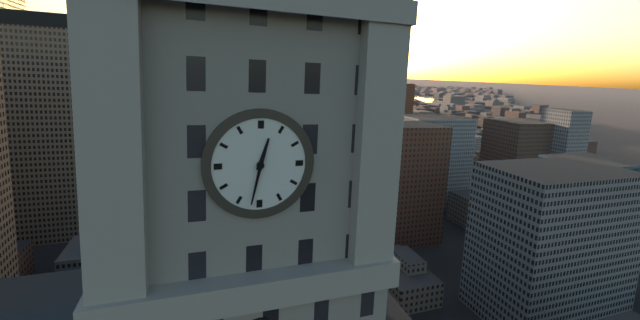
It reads 12:32
